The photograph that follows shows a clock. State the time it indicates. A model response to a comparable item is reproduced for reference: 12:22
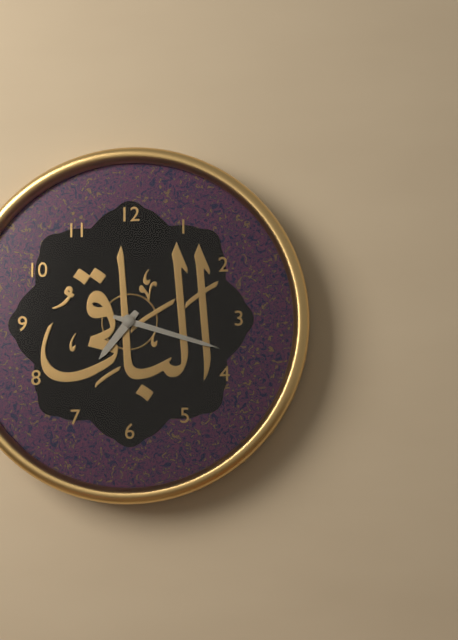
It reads 7:18
